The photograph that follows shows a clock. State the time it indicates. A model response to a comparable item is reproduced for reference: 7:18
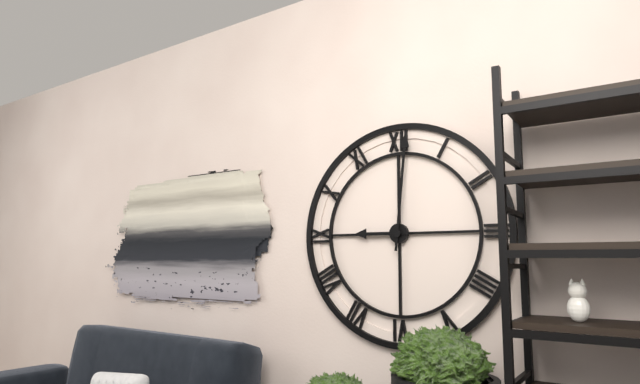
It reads 9:01
